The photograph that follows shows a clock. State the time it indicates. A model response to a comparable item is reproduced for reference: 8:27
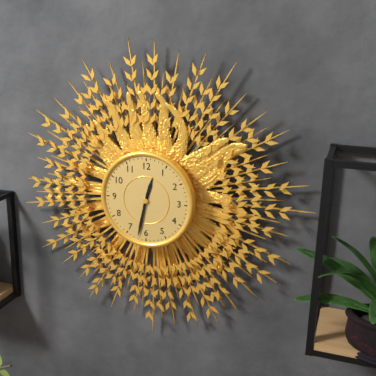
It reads 12:32
